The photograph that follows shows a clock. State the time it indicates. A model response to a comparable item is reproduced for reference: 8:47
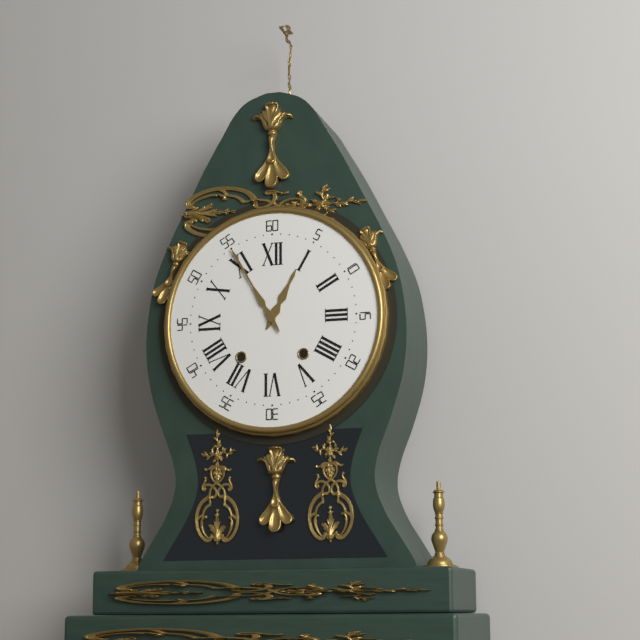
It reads 12:55
